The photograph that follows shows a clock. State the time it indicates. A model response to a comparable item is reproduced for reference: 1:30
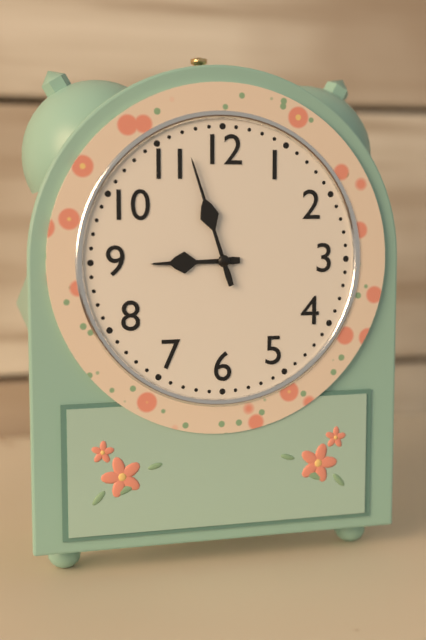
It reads 8:57
